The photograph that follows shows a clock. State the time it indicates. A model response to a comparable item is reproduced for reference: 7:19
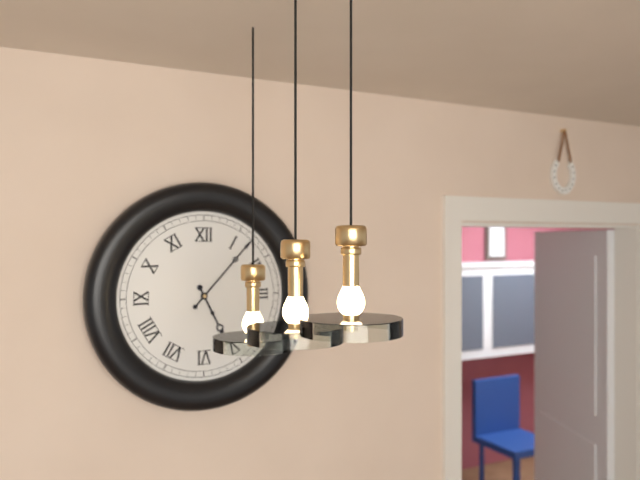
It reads 5:07
